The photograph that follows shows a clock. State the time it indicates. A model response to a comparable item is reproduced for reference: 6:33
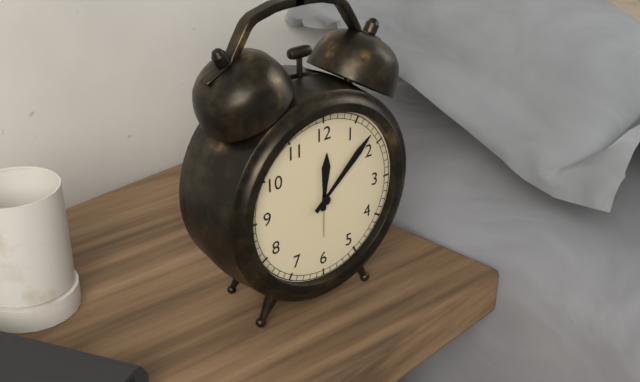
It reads 12:08
